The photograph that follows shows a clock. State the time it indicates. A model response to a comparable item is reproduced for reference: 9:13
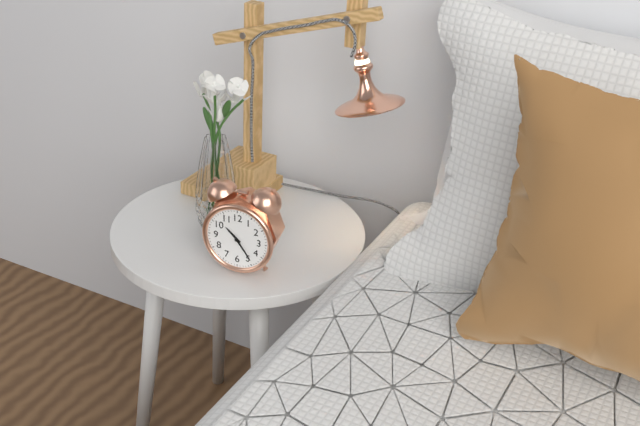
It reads 10:24
